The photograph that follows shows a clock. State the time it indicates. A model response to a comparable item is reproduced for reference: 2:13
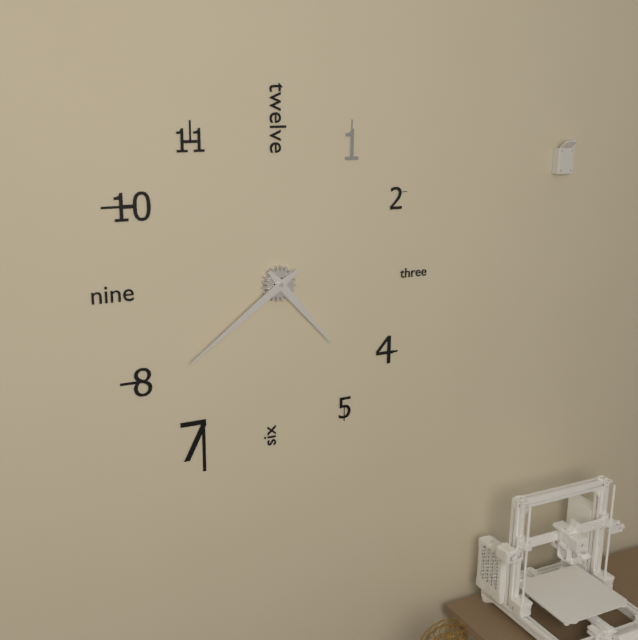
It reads 4:39
